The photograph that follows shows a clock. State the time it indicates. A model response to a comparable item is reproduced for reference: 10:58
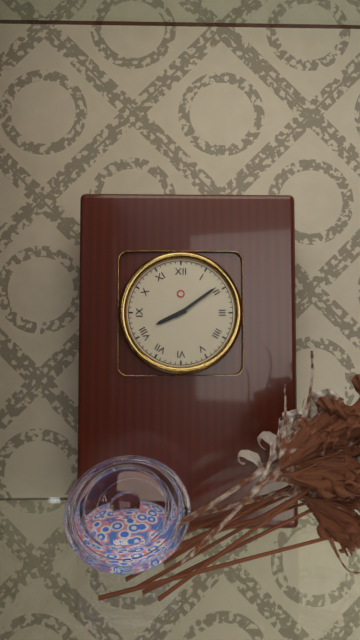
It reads 8:09
